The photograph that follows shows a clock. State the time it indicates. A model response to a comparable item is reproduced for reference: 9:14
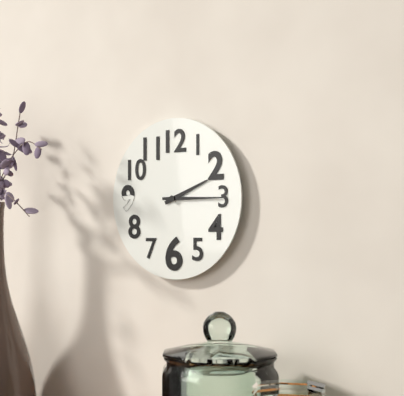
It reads 2:15
